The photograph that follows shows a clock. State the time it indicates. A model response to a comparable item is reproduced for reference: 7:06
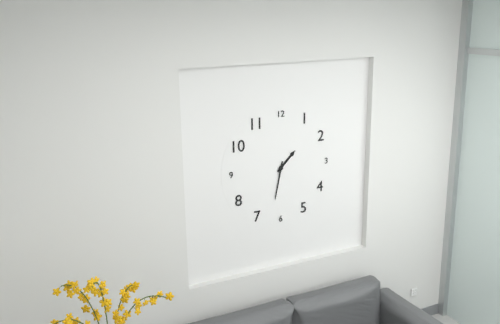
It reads 1:32
